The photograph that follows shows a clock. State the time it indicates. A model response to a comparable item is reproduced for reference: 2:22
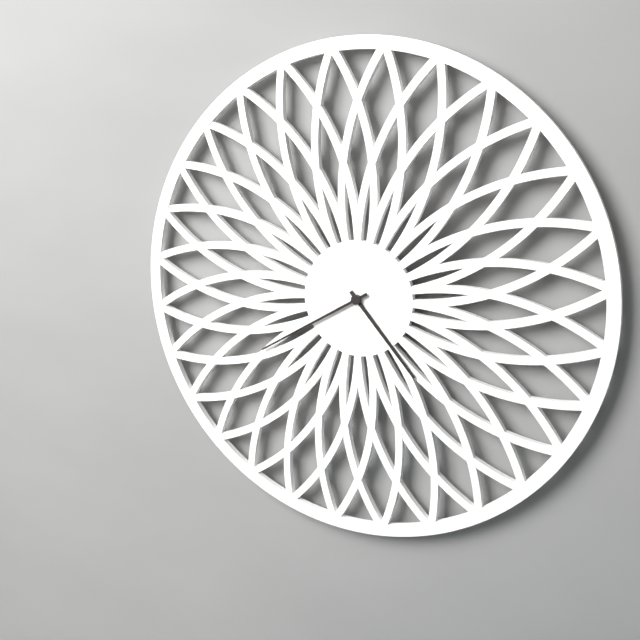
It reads 4:40
